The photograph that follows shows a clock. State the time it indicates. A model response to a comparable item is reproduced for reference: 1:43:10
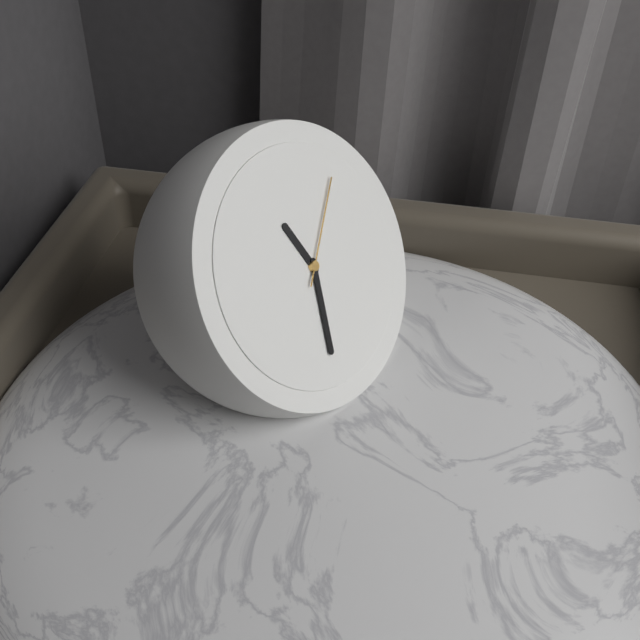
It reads 11:33:08
